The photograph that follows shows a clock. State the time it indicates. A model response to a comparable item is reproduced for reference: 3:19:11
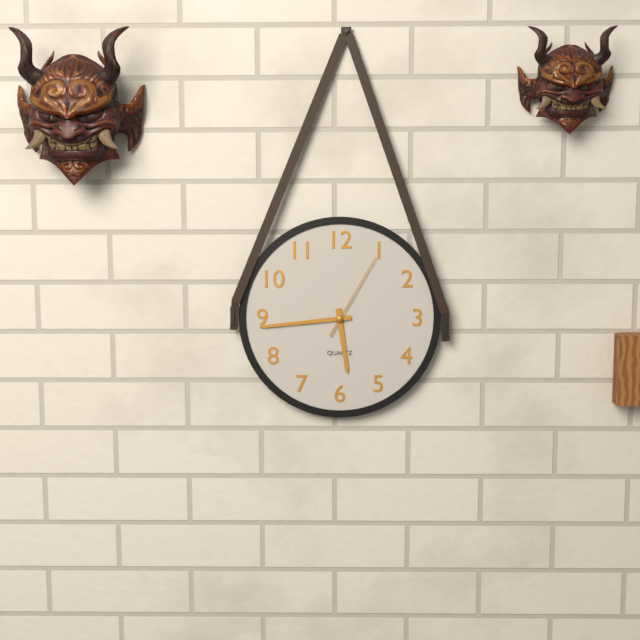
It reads 5:44:05
